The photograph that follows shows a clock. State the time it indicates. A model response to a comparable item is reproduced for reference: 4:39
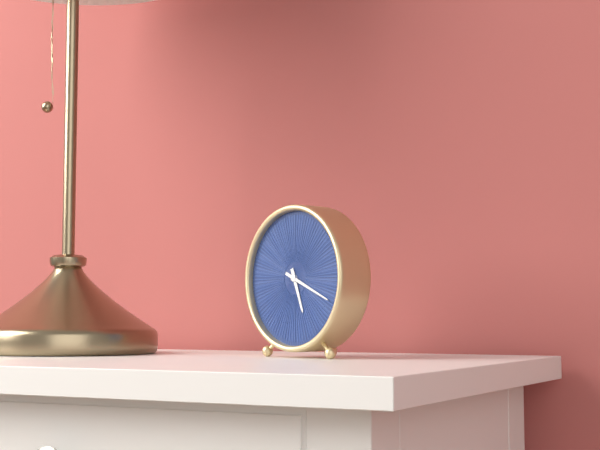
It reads 5:19
